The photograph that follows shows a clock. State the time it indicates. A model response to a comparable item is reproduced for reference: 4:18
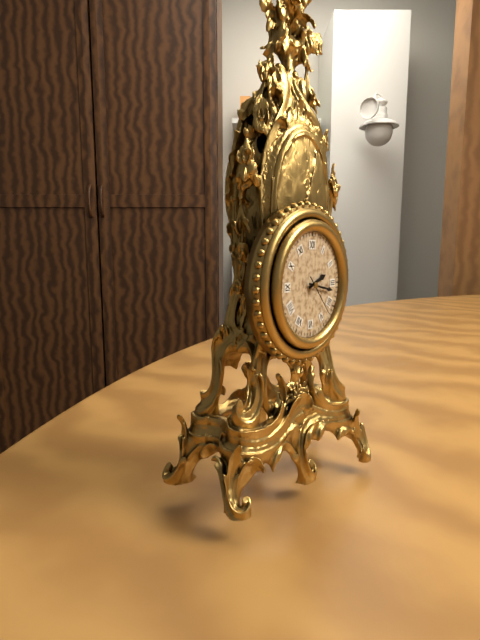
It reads 2:17
